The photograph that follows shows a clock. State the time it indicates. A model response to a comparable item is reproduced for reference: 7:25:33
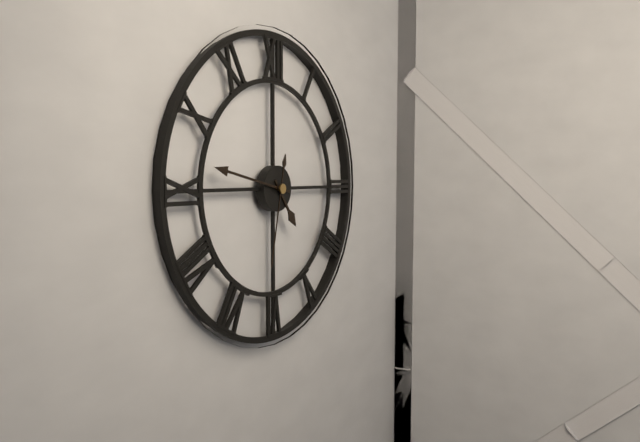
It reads 4:47:32
